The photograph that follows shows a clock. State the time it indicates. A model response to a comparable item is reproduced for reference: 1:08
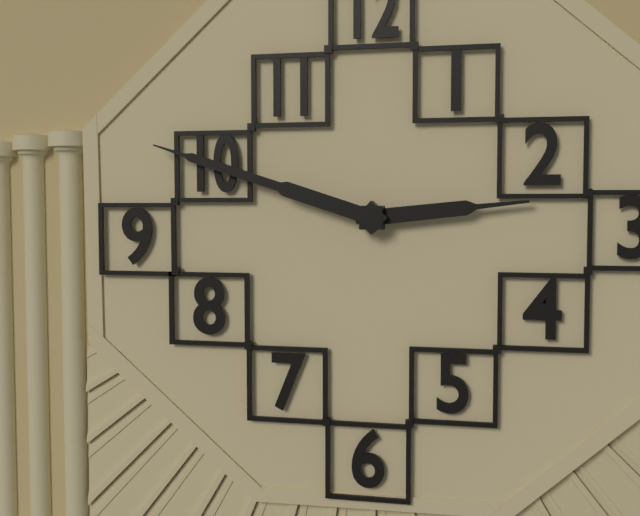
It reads 2:48
